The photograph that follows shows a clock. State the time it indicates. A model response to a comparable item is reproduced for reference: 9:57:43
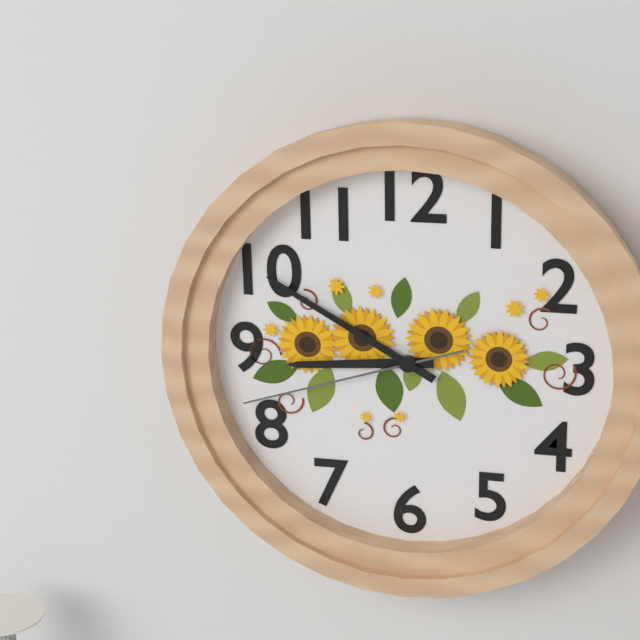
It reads 8:50:42
